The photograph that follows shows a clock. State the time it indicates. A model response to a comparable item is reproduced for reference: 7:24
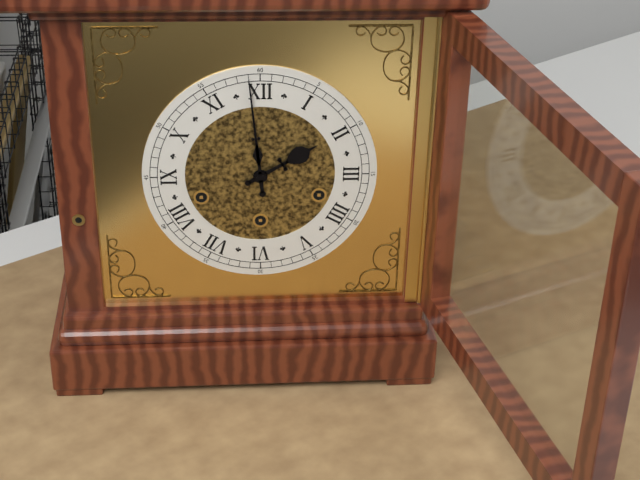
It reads 1:59
